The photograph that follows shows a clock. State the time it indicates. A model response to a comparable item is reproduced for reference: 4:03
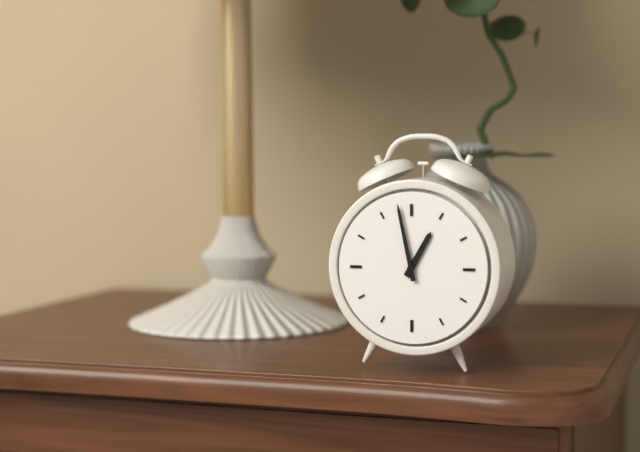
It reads 12:58
